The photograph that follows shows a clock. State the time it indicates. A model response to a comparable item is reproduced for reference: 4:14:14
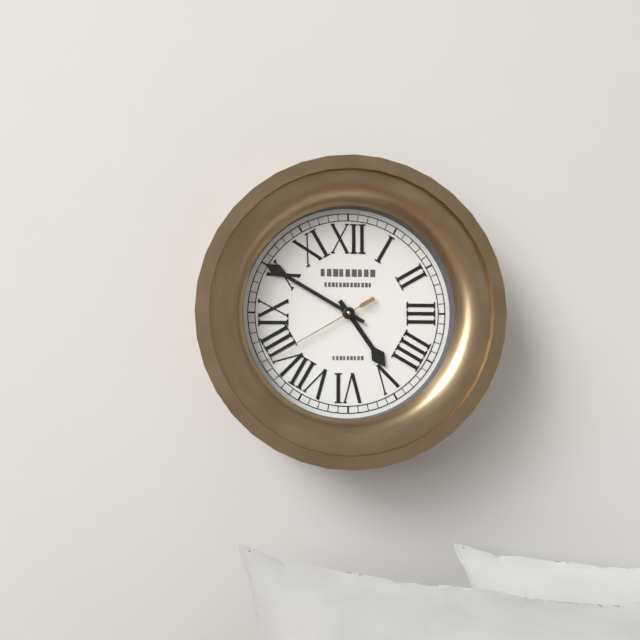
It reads 4:50:40
